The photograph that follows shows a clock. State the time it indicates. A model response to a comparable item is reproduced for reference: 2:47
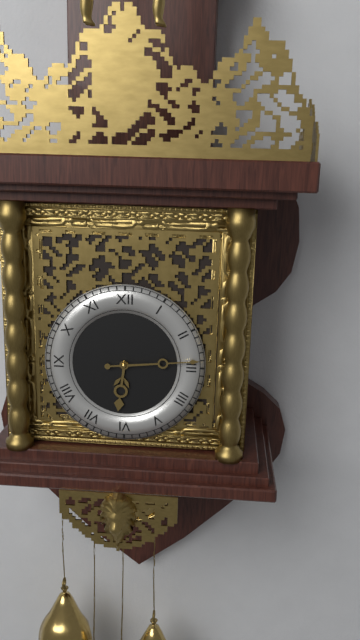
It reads 6:14
